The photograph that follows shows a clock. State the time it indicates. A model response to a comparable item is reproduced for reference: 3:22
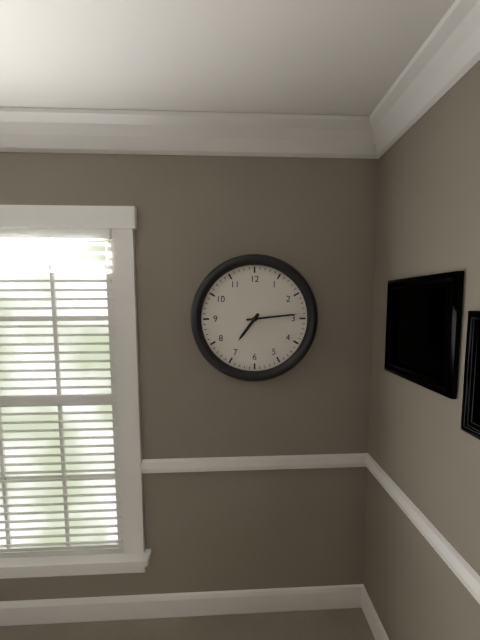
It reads 7:14
